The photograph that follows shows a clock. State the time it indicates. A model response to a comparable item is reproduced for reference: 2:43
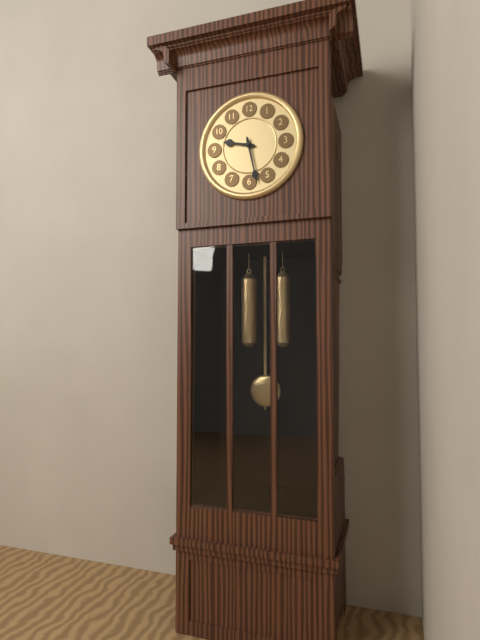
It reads 9:28
